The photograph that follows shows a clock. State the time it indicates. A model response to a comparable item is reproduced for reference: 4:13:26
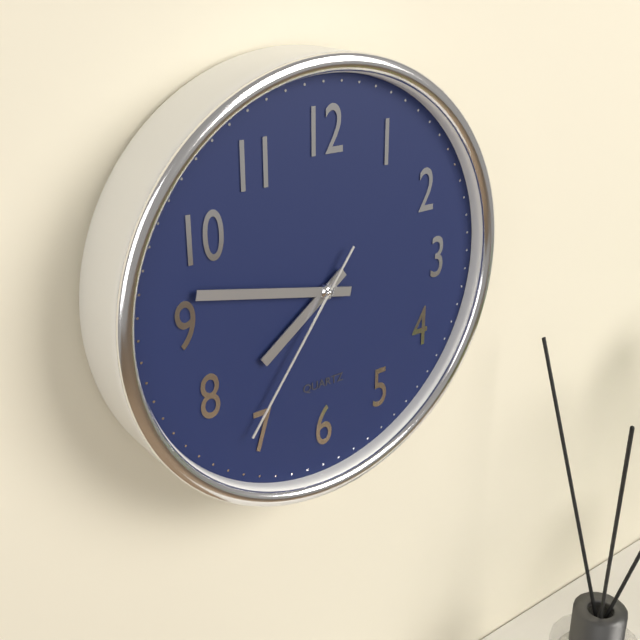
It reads 7:47:36
